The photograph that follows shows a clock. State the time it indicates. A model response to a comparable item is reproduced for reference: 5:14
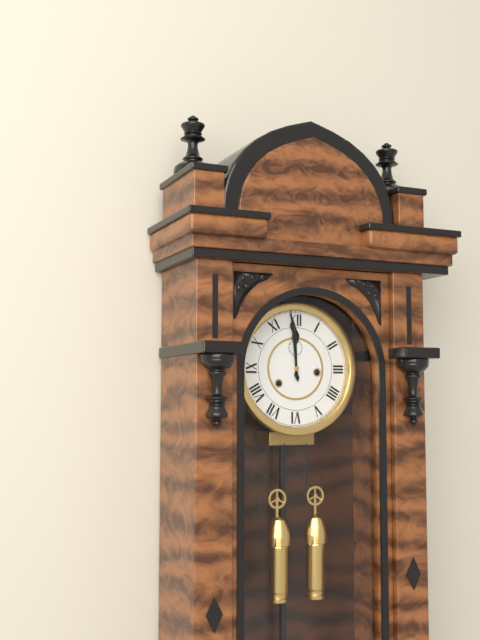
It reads 11:59
